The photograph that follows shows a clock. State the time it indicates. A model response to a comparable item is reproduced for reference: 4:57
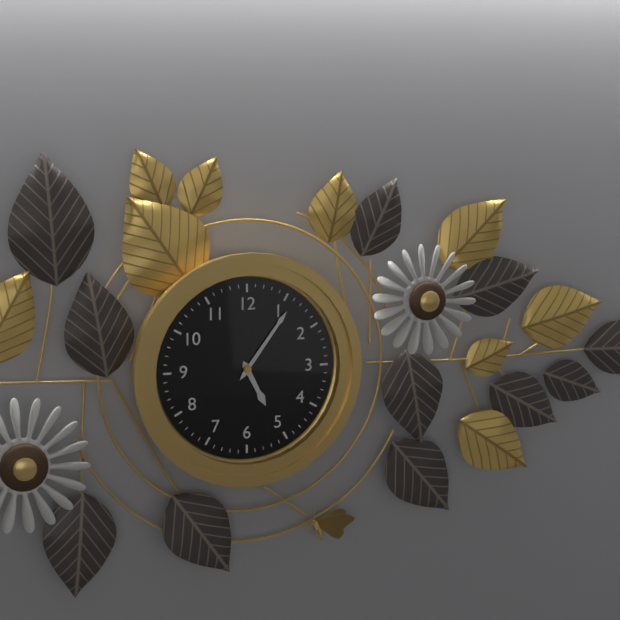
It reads 5:06
